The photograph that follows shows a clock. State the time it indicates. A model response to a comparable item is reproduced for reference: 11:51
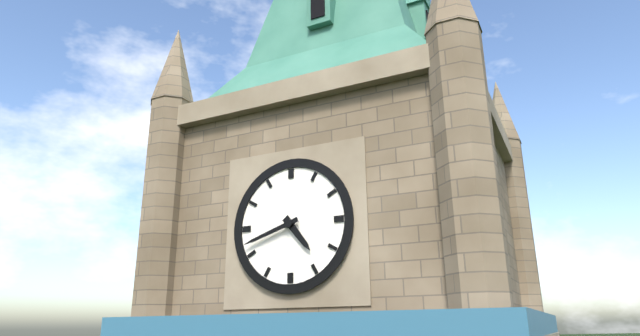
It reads 4:42
